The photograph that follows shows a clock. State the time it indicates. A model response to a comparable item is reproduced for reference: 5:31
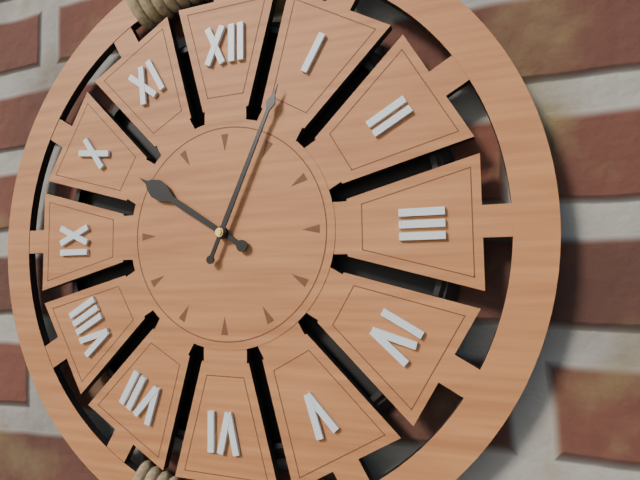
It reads 10:04
